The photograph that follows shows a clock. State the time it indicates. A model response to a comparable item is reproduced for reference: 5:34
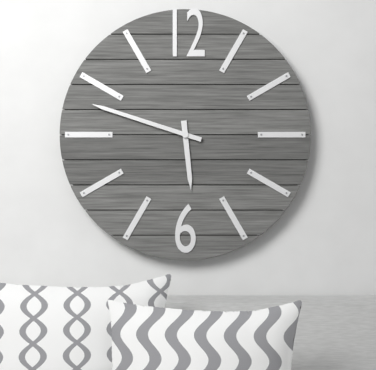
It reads 5:48
